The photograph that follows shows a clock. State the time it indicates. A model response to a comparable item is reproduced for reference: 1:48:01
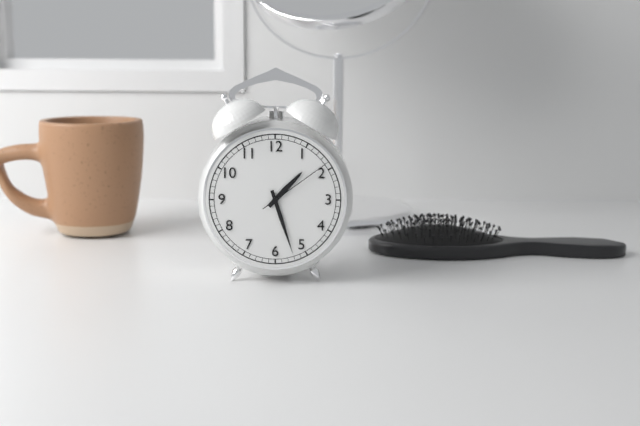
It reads 1:27:09
